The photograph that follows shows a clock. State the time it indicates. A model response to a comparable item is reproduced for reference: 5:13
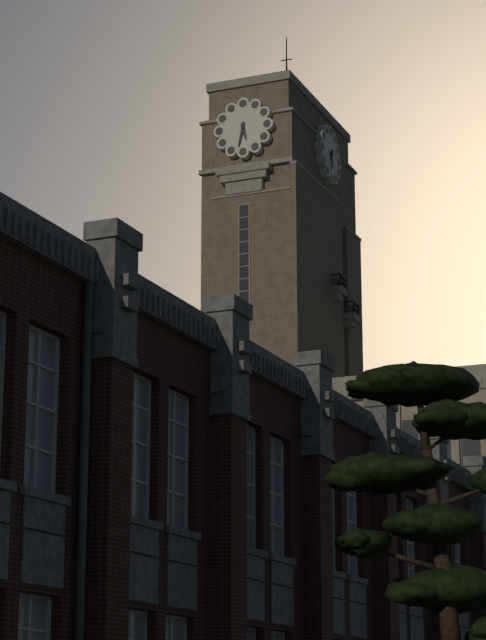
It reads 5:32
